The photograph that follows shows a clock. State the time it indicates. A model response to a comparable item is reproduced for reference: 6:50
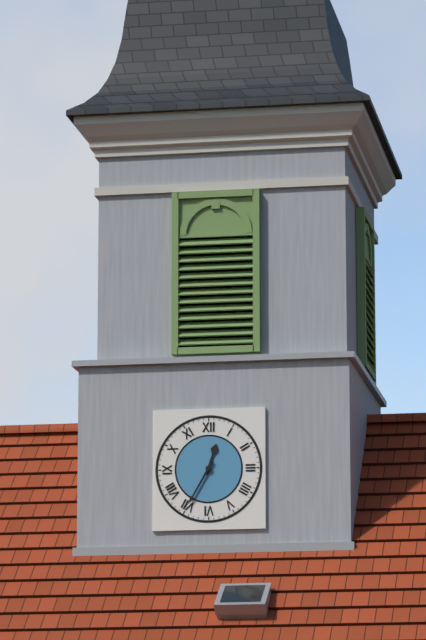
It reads 12:35
